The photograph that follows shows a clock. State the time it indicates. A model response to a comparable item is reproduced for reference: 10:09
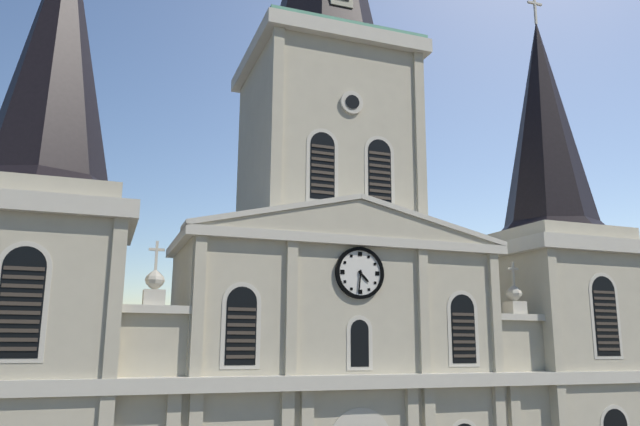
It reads 4:31
